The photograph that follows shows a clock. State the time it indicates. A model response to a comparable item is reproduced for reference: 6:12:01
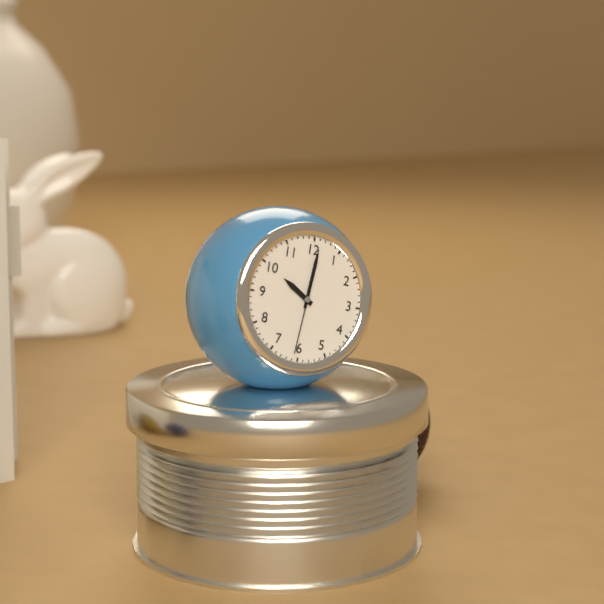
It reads 10:01:31
